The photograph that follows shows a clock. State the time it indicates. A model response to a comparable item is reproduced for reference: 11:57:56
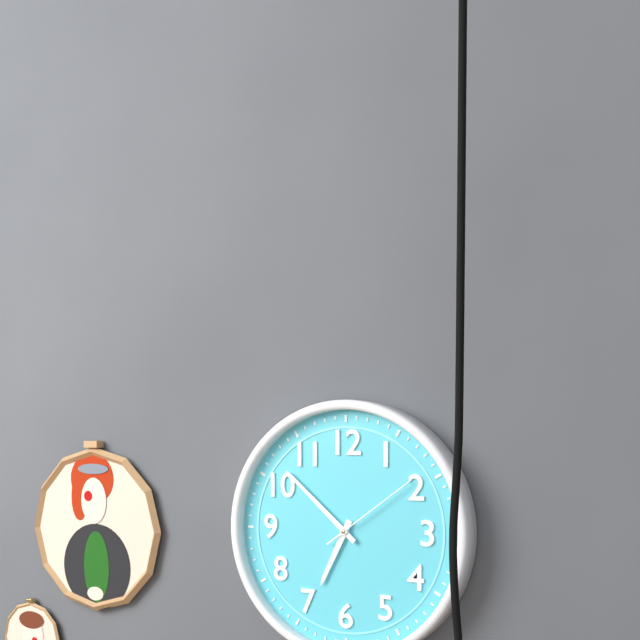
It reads 6:52:09
